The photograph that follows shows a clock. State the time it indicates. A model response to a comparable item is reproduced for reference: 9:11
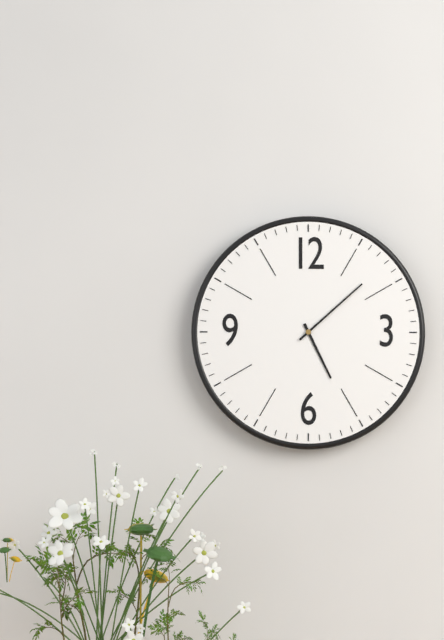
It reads 5:08
